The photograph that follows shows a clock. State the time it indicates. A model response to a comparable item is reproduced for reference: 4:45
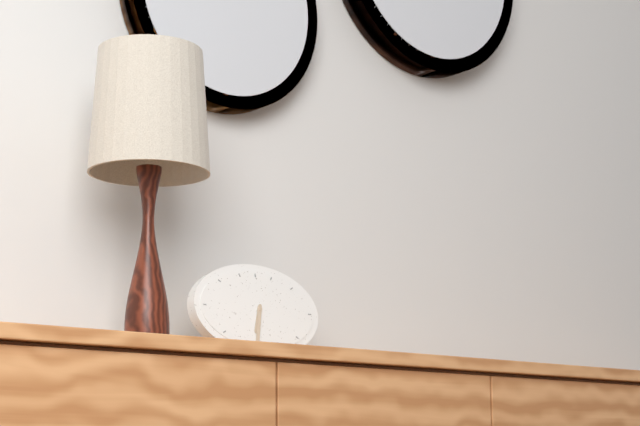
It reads 6:32
